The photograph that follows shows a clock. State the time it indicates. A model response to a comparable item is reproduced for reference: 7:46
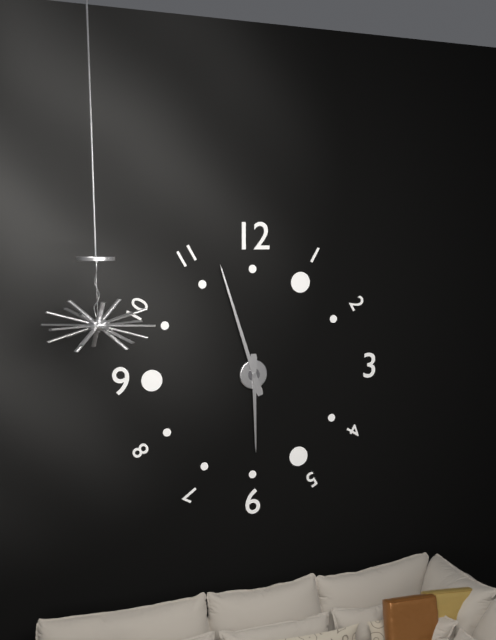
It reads 5:57
